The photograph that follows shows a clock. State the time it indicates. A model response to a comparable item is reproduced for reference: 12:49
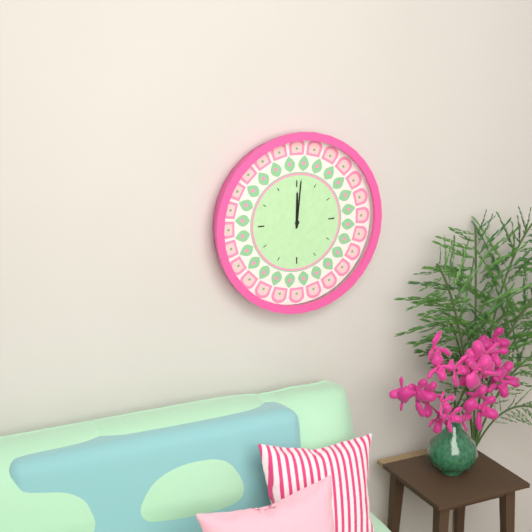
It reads 12:01
